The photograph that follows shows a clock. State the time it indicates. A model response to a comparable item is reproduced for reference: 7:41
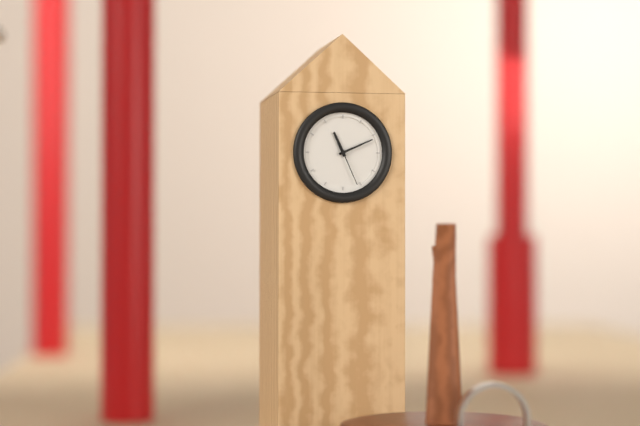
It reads 11:11
